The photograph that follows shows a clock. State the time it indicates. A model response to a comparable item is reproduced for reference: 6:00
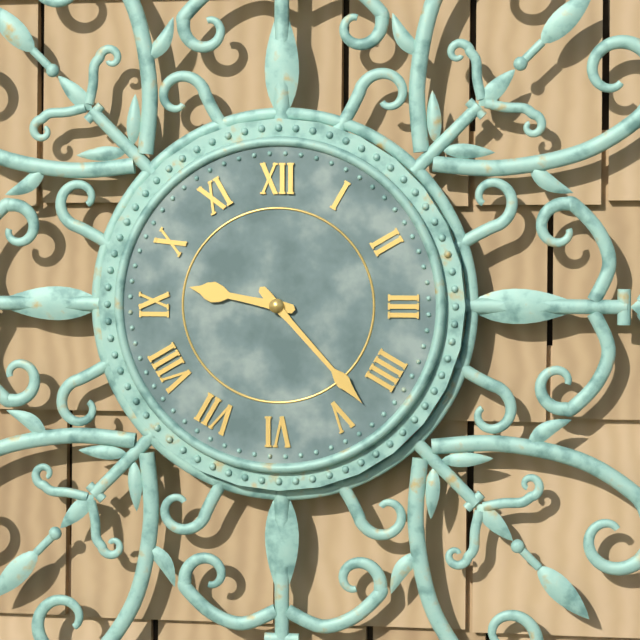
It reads 9:23
